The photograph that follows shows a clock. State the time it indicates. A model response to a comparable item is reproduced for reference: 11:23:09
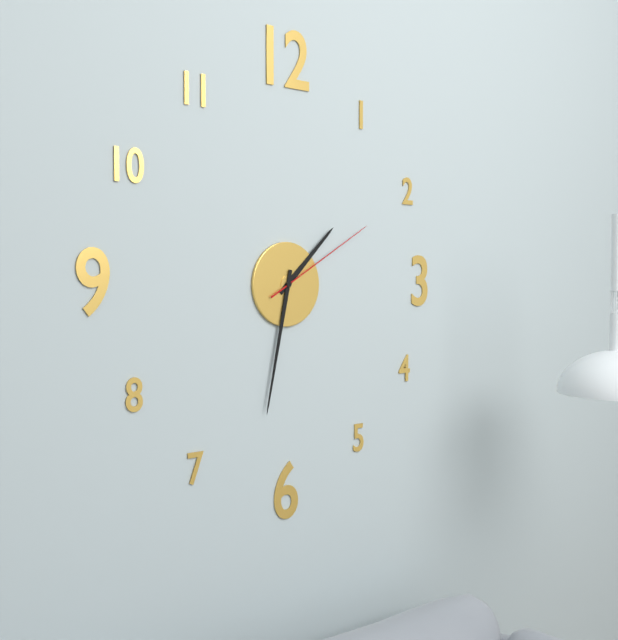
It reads 1:32:10
